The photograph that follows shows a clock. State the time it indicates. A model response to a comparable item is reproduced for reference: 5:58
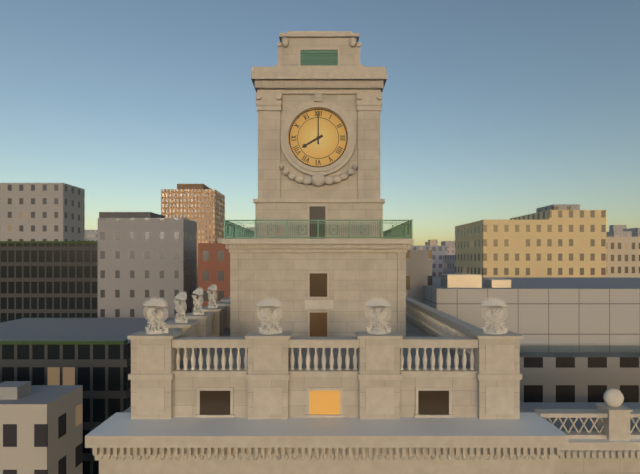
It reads 8:00
